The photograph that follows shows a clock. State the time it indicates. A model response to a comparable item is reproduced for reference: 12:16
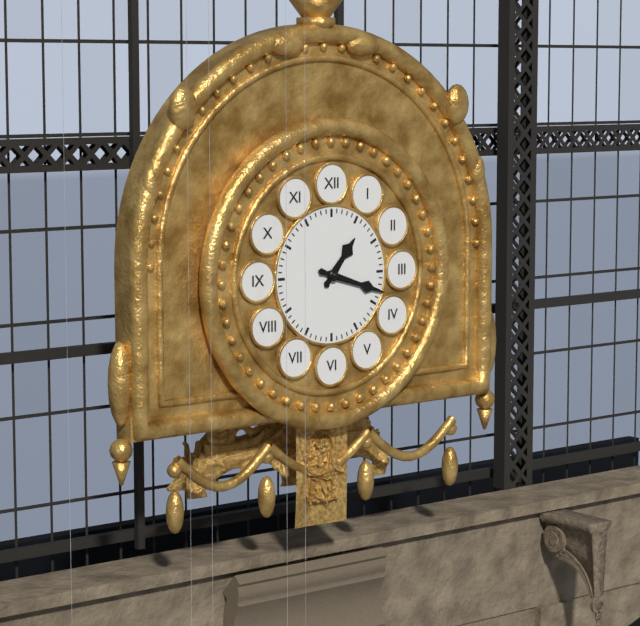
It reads 1:18
